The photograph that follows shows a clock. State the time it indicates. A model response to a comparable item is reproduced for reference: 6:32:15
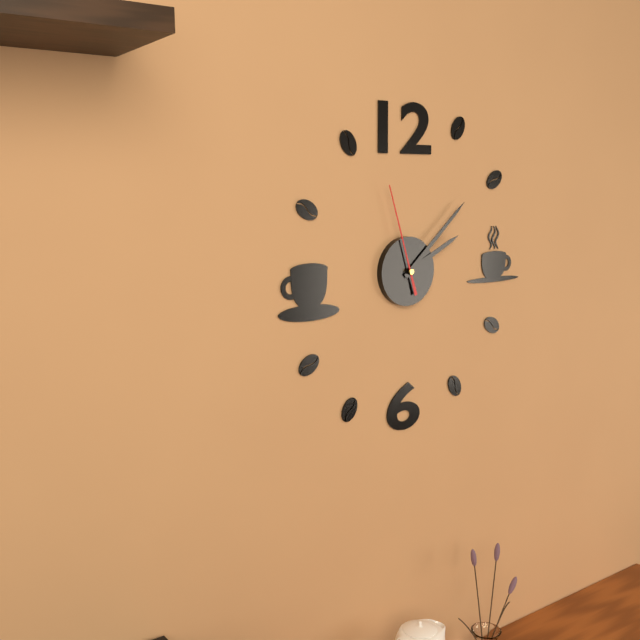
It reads 2:08:57
